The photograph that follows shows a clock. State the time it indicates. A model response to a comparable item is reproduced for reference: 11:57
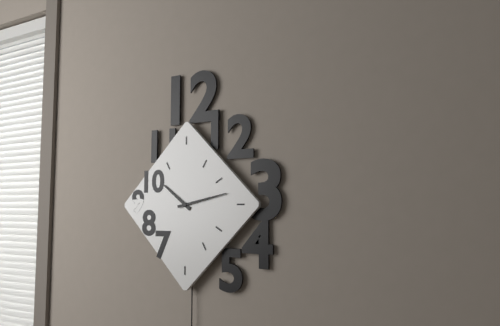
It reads 10:13
